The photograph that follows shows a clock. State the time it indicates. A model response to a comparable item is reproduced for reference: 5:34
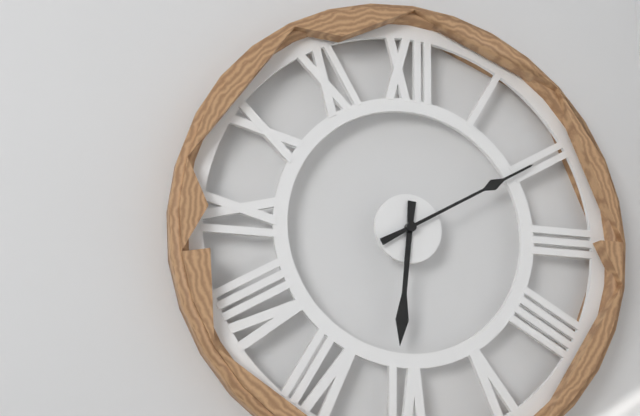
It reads 6:10
